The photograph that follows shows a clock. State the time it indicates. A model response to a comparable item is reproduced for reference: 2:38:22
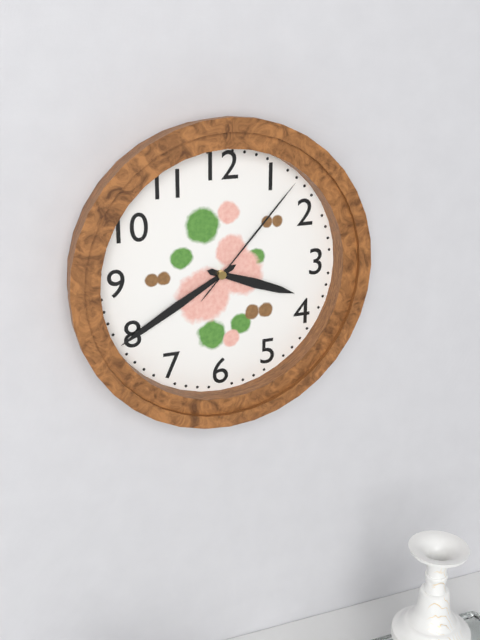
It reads 3:40:07
